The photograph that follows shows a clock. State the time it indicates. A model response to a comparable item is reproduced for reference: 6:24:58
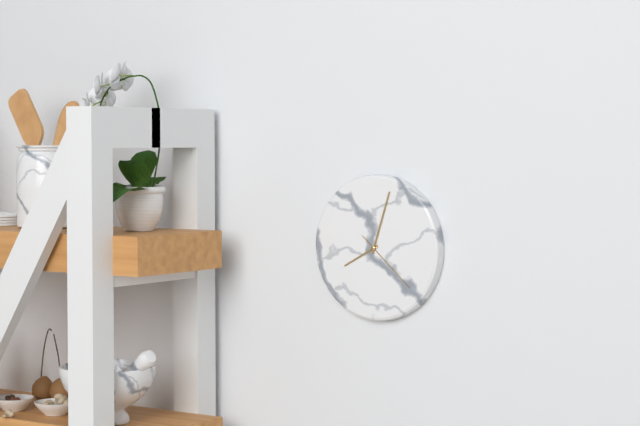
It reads 8:03:22
